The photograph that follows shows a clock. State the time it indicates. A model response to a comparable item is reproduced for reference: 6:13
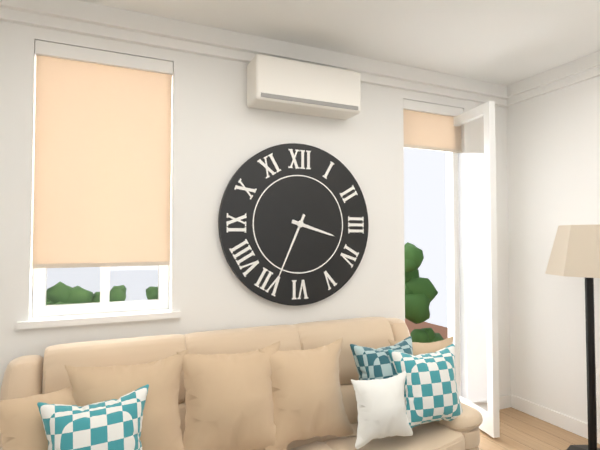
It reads 3:34
